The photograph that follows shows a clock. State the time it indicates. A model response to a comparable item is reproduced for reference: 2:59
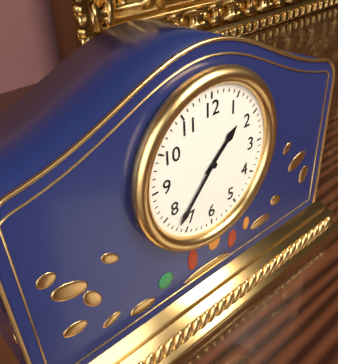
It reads 1:37
